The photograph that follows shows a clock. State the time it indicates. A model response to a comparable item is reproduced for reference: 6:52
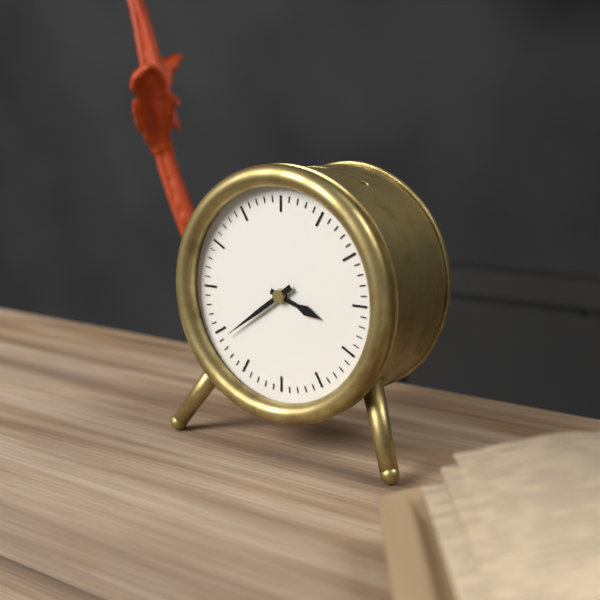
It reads 3:39
